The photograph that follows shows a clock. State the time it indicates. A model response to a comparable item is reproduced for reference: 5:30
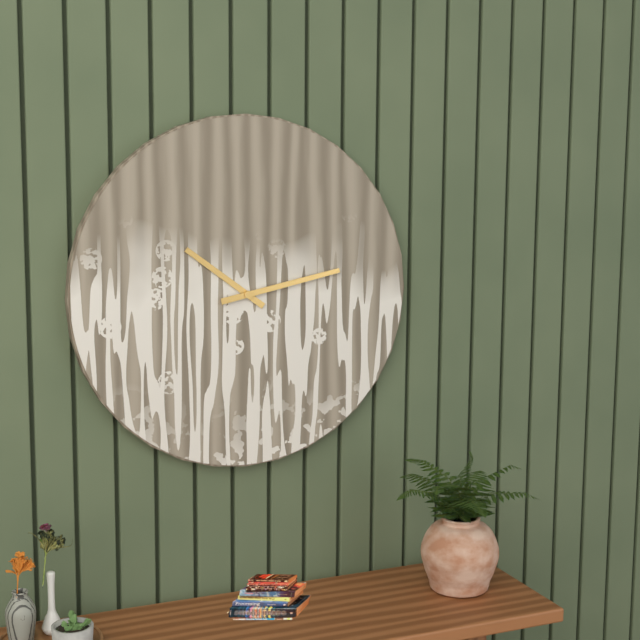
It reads 10:13
